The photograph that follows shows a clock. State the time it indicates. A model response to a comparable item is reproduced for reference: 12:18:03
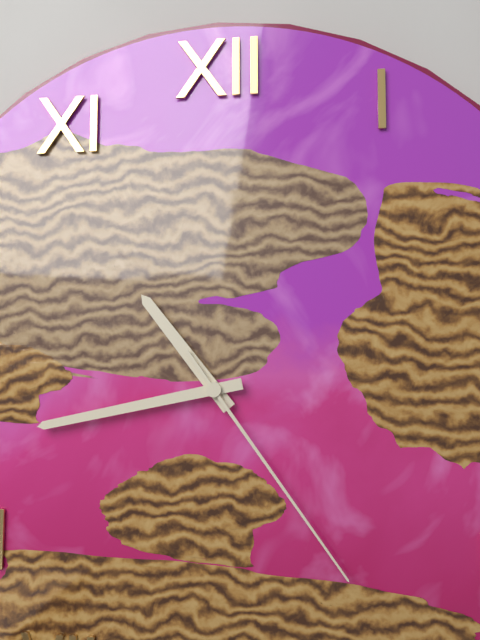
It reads 10:43:24
